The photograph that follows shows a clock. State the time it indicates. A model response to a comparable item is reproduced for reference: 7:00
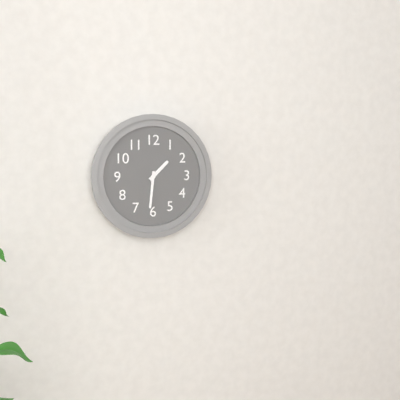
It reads 1:31
